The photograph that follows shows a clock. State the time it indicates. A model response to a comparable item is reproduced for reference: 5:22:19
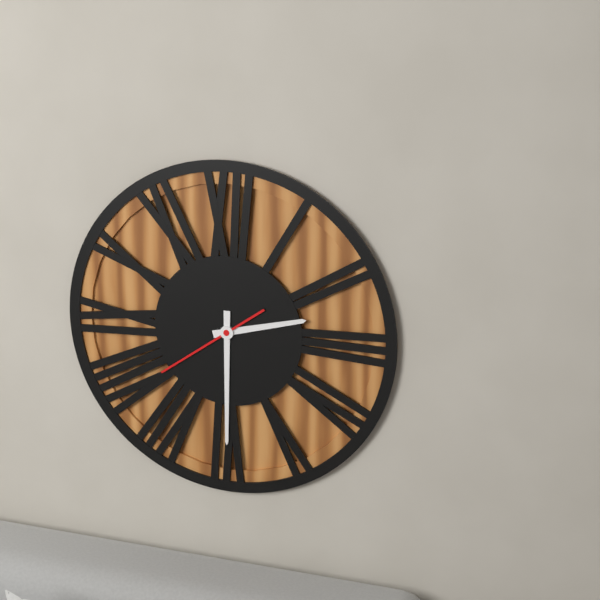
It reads 2:30:39
